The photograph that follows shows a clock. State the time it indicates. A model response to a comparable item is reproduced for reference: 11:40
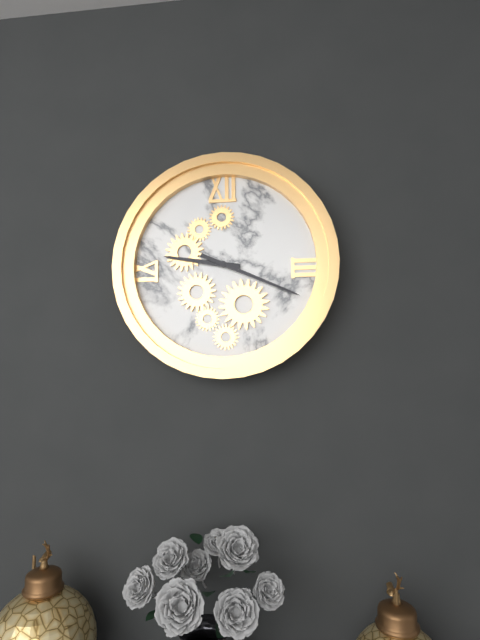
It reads 9:19
